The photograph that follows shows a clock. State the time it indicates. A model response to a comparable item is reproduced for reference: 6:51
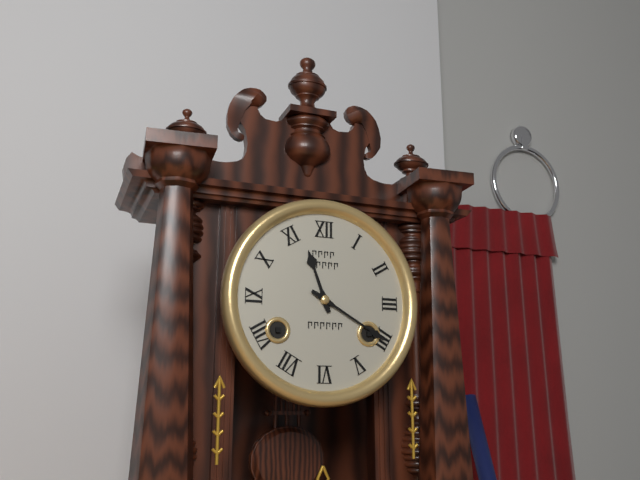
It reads 11:20
